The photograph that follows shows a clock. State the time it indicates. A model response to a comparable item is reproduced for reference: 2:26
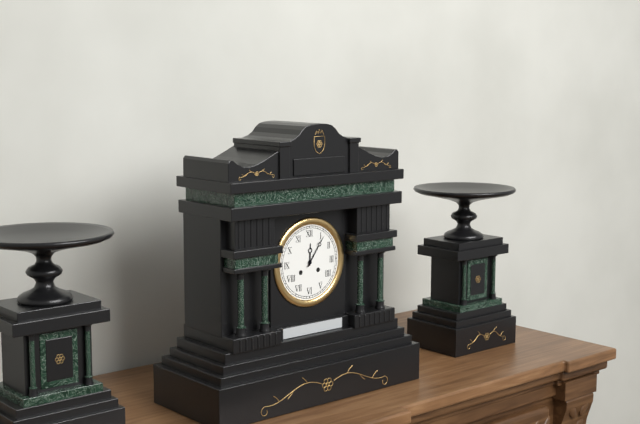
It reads 12:06
